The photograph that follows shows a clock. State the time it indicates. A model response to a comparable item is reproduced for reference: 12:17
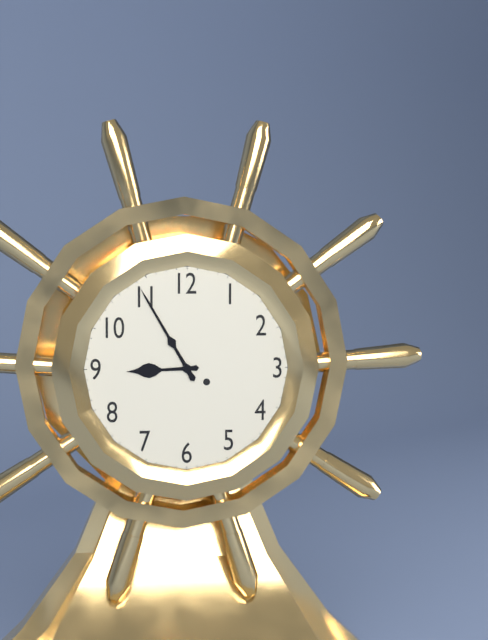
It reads 8:55
